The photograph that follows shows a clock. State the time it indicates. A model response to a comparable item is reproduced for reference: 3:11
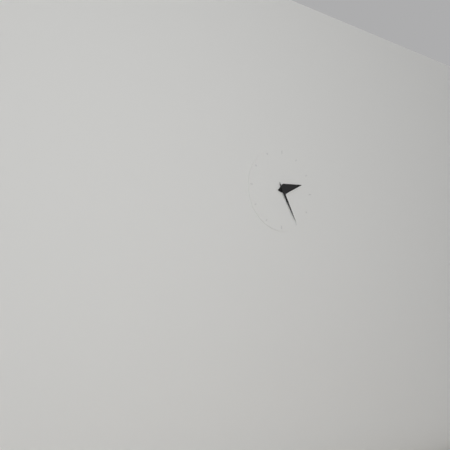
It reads 2:25
